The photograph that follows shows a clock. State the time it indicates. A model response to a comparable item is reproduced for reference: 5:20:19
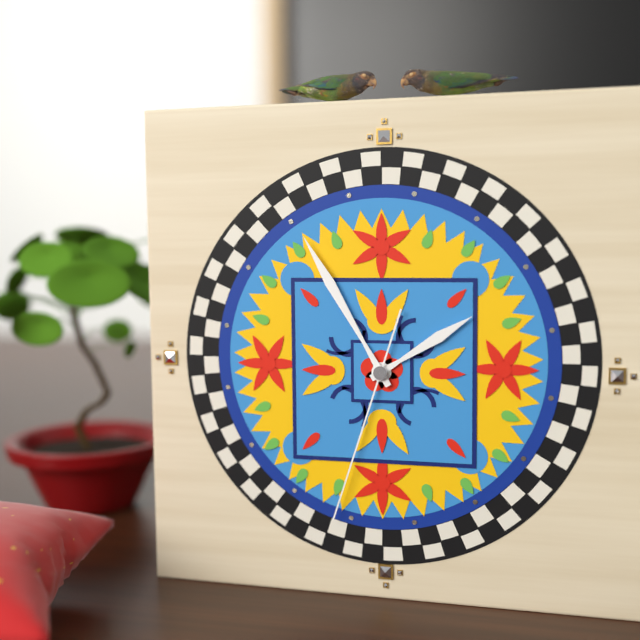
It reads 1:55:33
